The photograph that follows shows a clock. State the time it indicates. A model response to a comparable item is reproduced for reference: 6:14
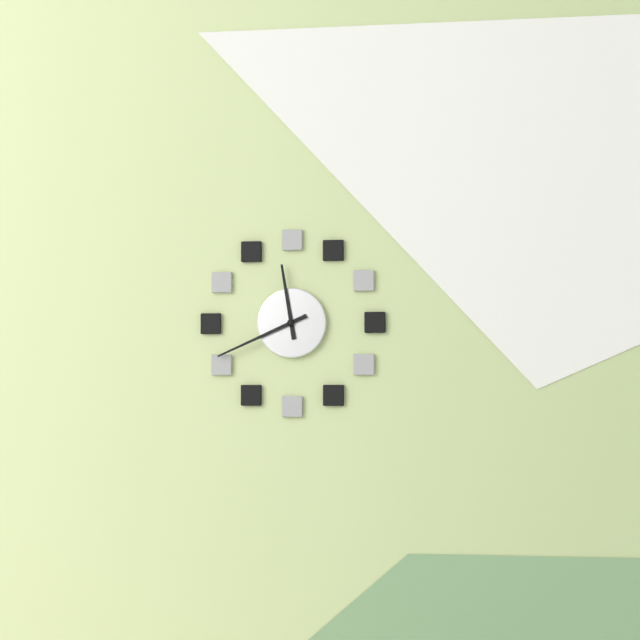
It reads 11:41
